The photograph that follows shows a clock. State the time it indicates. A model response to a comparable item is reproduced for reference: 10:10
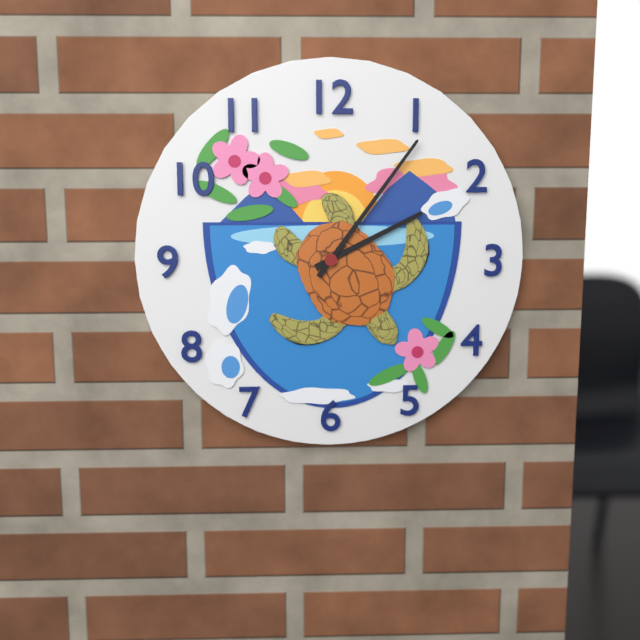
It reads 2:06
